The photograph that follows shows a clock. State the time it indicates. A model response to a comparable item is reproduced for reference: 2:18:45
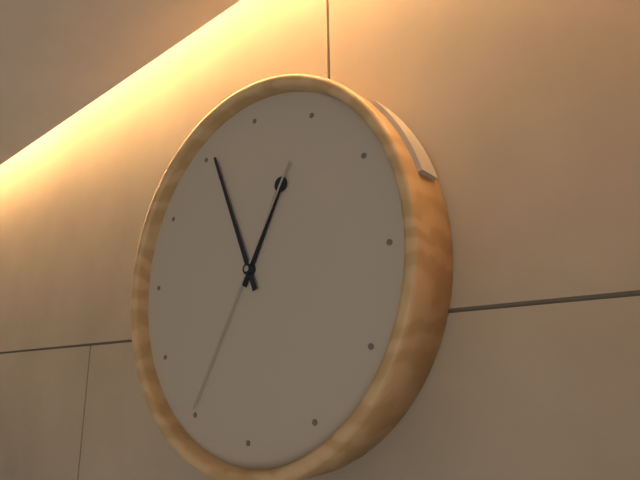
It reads 12:56:35
